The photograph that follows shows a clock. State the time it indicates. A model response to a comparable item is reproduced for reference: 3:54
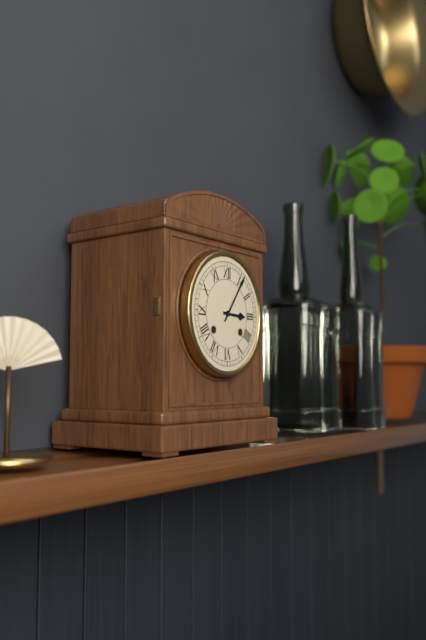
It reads 3:06
